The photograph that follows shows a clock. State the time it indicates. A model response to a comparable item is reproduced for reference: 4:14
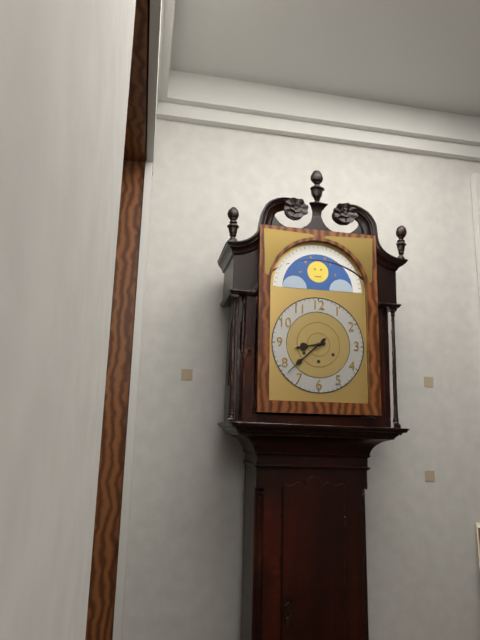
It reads 8:38
